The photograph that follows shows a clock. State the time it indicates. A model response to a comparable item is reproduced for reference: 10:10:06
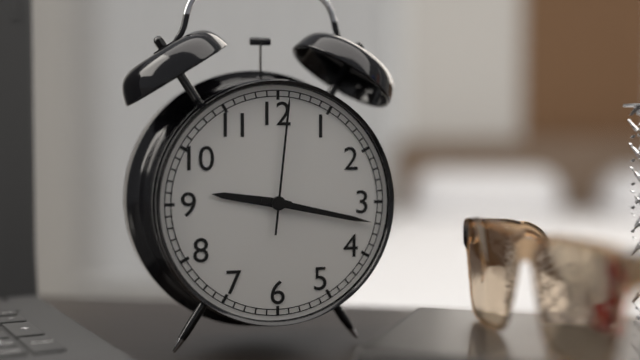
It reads 9:17:01
